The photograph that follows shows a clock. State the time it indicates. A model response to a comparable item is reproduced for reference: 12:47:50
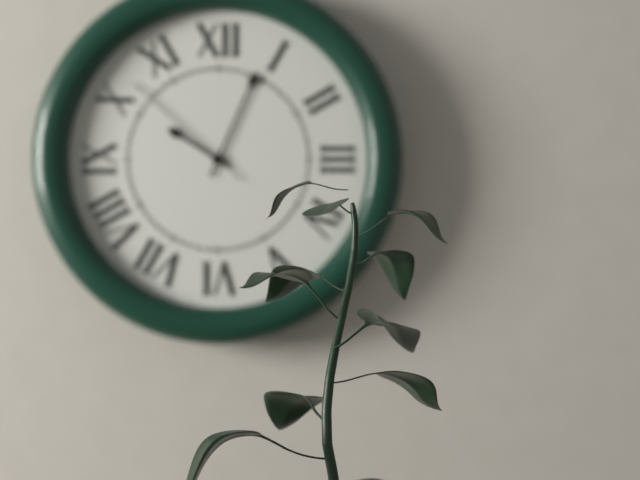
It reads 10:04:52
